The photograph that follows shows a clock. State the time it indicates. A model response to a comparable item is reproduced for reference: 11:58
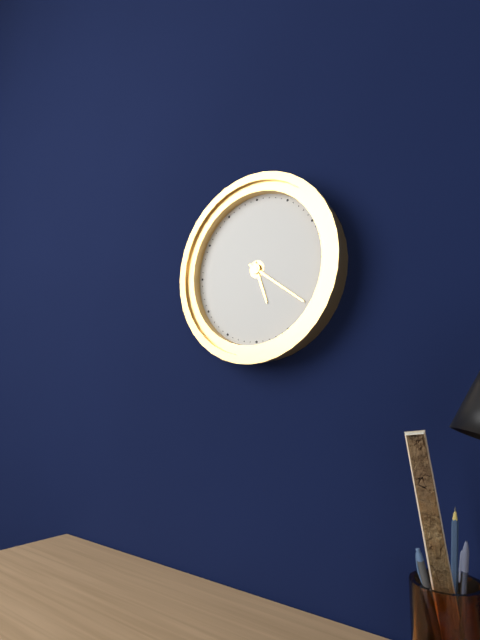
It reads 5:21
